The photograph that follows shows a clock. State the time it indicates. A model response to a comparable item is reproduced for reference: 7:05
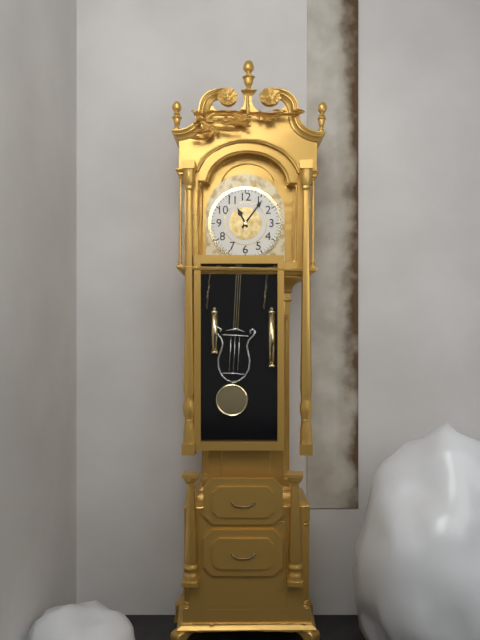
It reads 11:06
